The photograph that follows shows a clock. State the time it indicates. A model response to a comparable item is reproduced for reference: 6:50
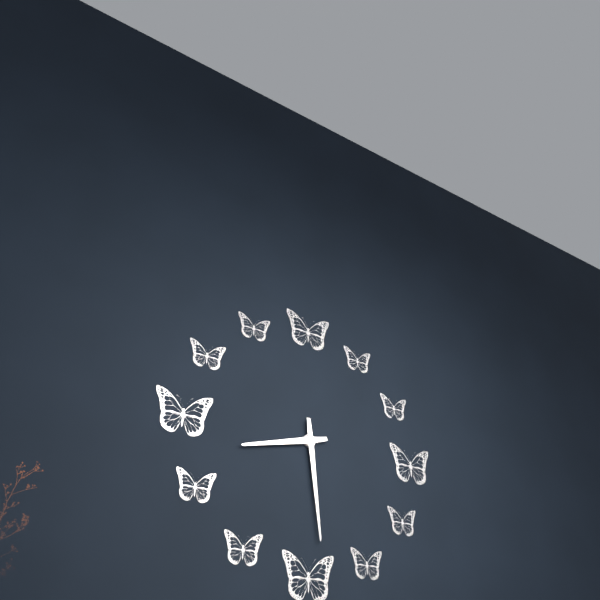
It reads 8:29
